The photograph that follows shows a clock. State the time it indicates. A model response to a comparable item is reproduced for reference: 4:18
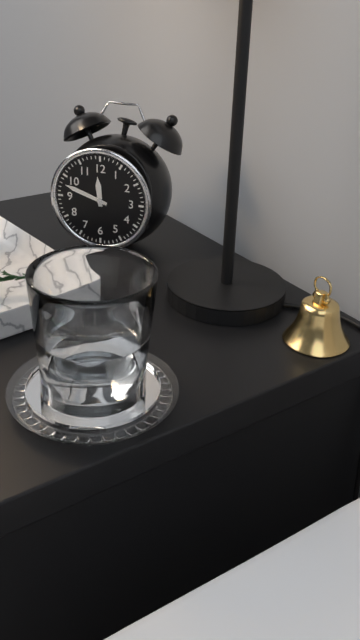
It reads 11:48
